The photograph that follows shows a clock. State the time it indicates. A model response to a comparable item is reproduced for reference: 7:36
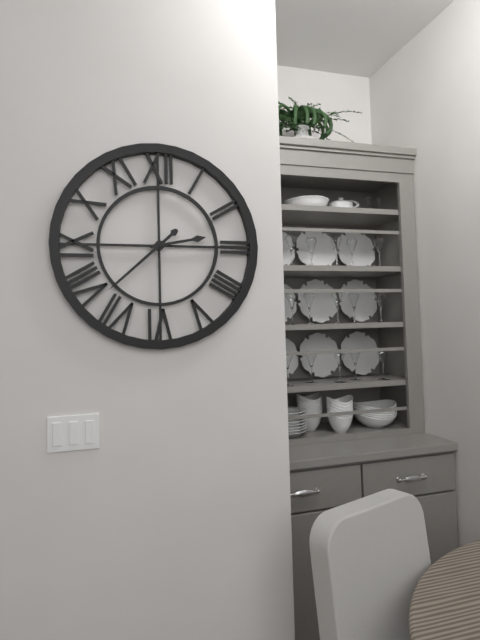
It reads 2:38
